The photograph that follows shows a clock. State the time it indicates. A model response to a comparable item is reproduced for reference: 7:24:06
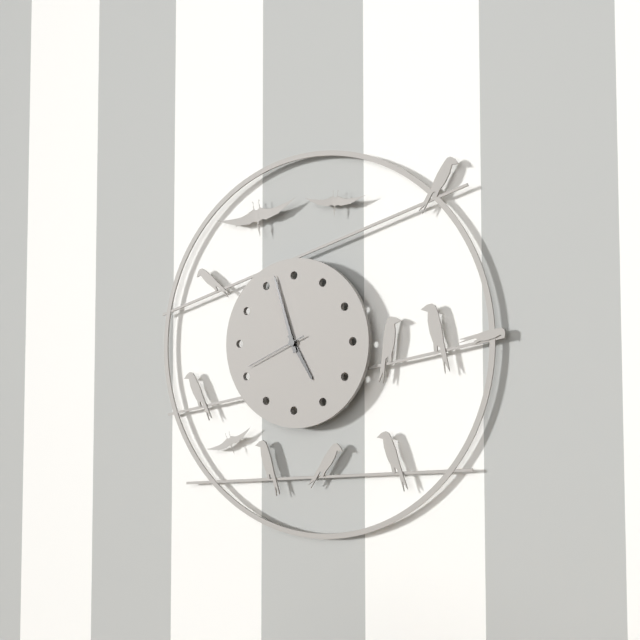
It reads 4:57:41
